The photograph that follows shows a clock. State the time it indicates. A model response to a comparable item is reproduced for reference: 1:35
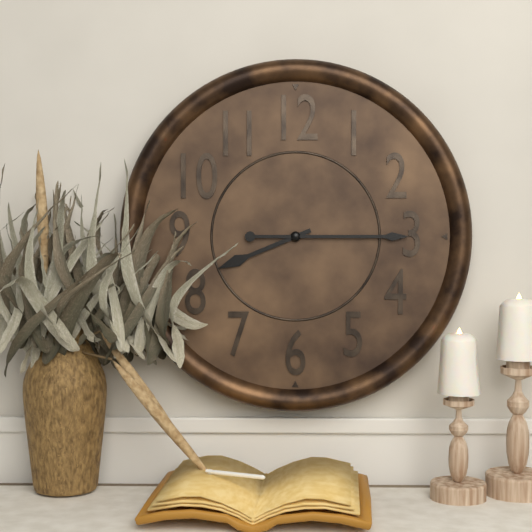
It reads 8:15
